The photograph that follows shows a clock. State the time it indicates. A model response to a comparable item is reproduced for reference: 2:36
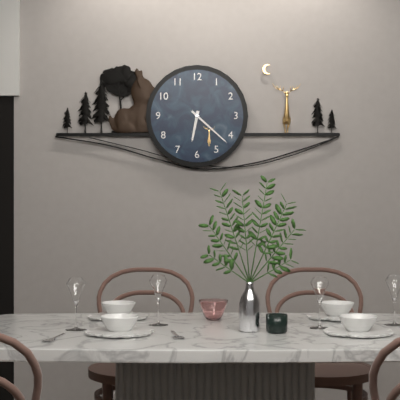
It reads 6:22
